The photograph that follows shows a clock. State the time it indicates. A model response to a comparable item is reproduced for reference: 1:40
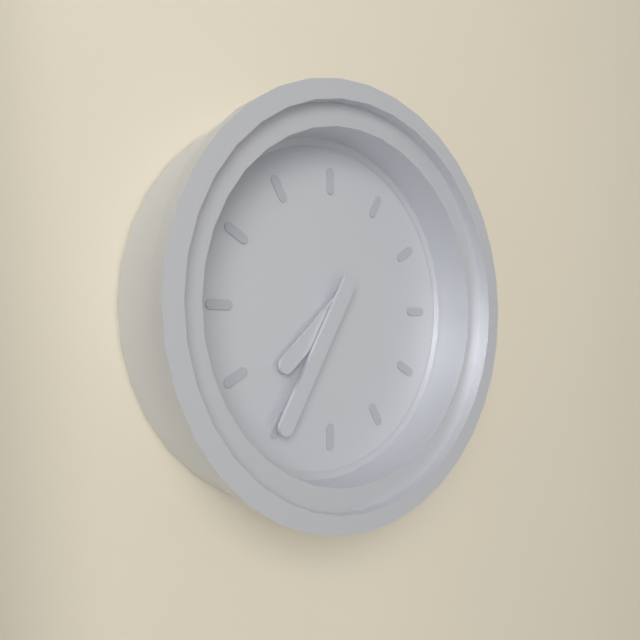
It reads 7:35
